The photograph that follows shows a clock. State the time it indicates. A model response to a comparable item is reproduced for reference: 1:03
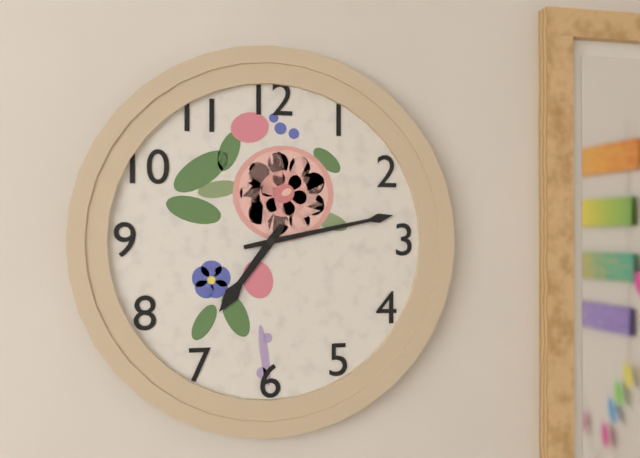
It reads 7:13
